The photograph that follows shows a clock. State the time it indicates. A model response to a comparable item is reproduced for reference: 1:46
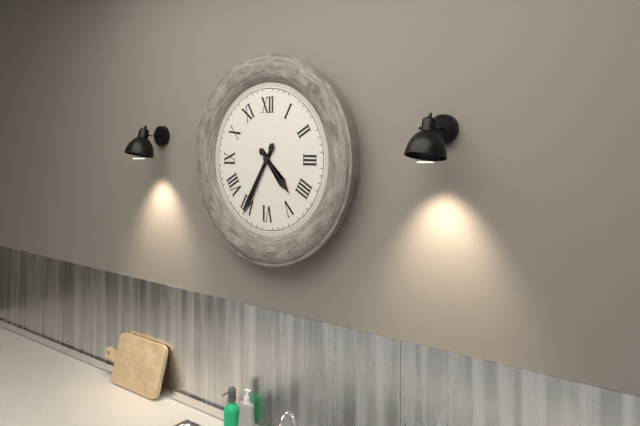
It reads 4:35
